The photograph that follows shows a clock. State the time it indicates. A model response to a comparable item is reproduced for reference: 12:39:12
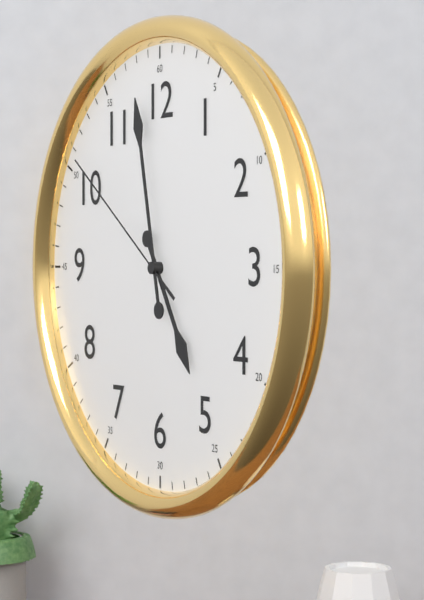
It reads 4:58:51
